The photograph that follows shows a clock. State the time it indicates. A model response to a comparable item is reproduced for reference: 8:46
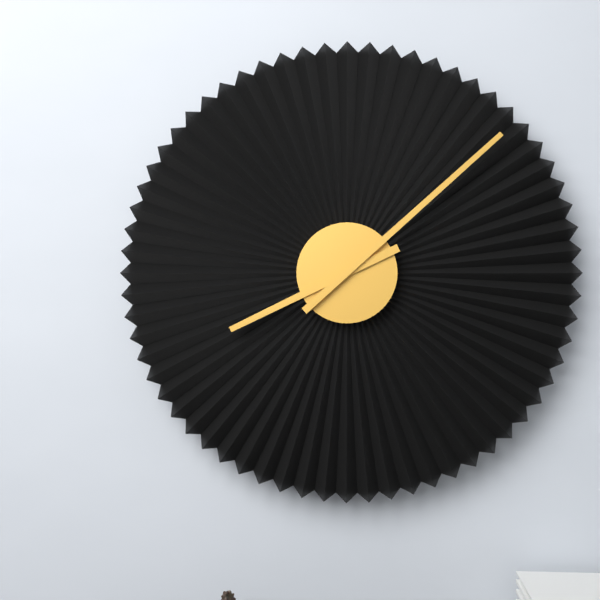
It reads 8:08
